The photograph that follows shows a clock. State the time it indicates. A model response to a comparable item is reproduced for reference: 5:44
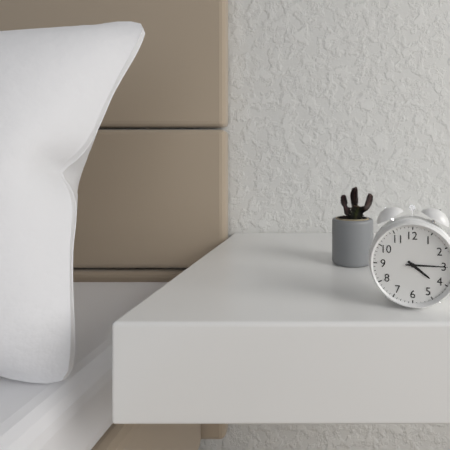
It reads 4:15
